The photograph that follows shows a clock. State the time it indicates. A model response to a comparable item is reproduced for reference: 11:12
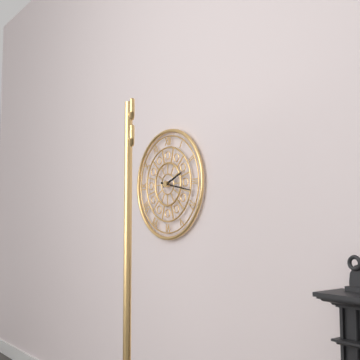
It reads 2:17
